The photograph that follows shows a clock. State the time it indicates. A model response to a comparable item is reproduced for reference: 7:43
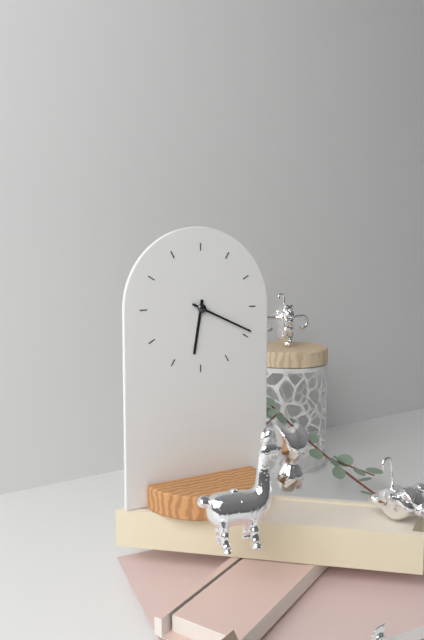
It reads 6:19
